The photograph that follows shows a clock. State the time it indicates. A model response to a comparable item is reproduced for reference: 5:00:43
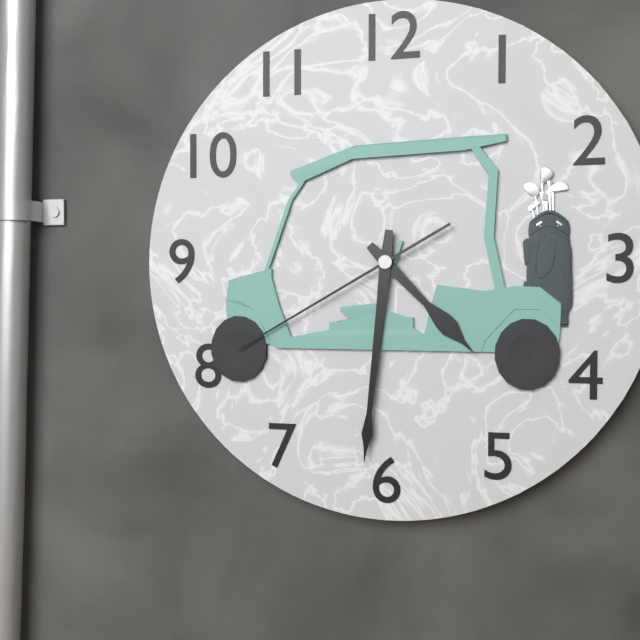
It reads 4:31:40
